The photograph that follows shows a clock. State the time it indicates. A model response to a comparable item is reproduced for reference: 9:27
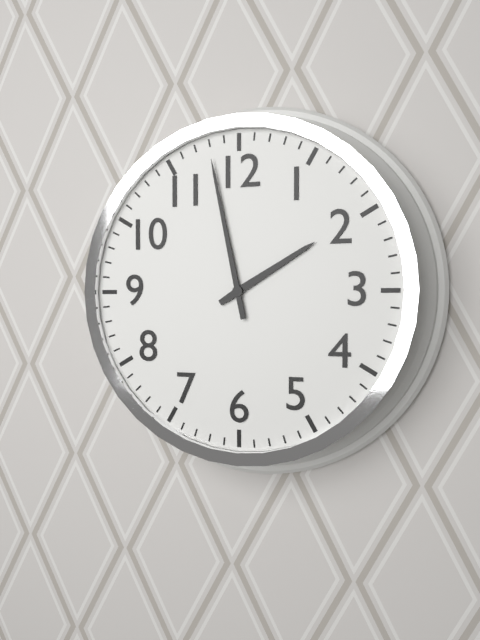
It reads 1:58
